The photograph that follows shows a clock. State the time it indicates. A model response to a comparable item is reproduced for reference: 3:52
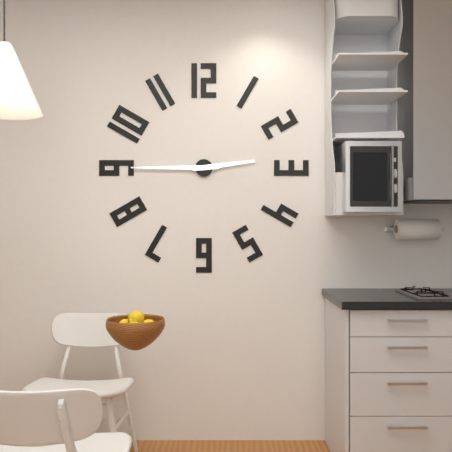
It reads 2:45
